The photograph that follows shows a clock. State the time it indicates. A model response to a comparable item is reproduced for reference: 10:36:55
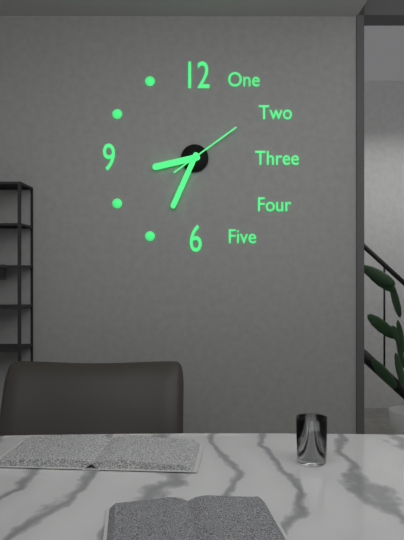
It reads 8:34:09
